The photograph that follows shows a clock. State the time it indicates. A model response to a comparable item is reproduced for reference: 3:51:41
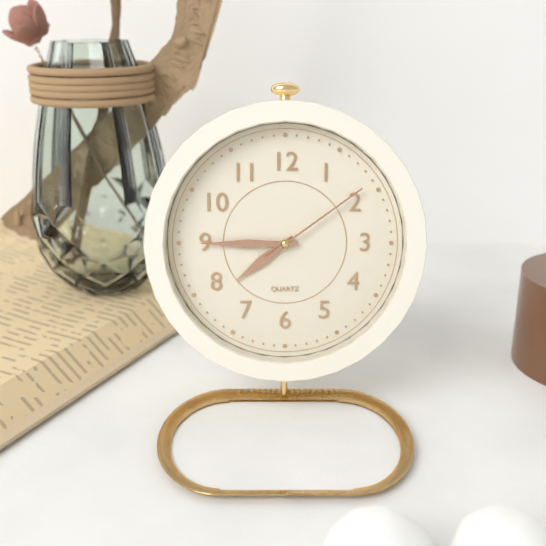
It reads 7:45:09
